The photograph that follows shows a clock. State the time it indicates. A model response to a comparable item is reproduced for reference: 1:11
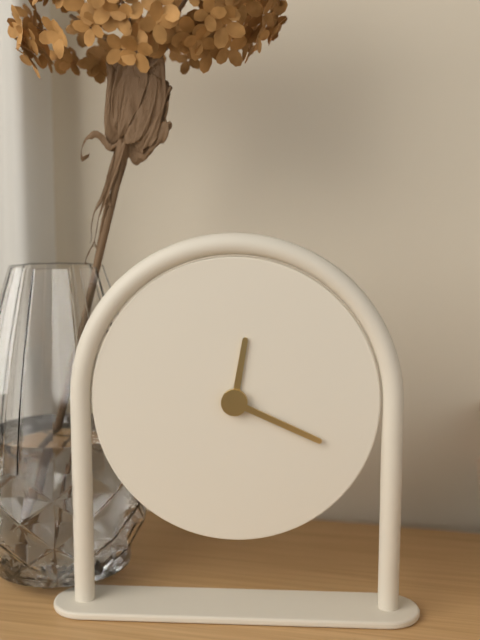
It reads 12:19
